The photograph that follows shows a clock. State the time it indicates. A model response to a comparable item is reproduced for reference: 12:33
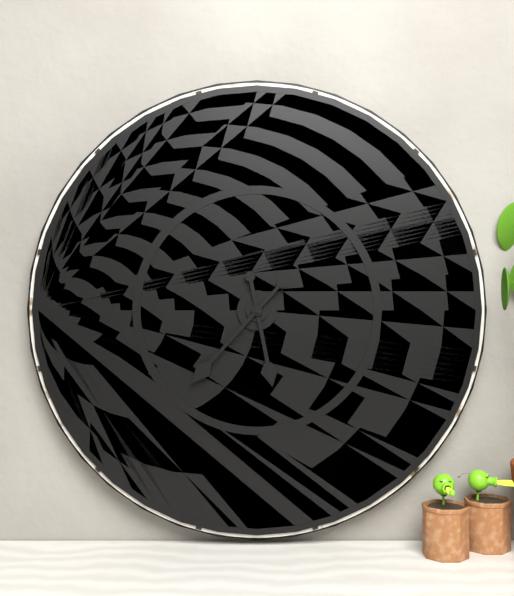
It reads 5:37
